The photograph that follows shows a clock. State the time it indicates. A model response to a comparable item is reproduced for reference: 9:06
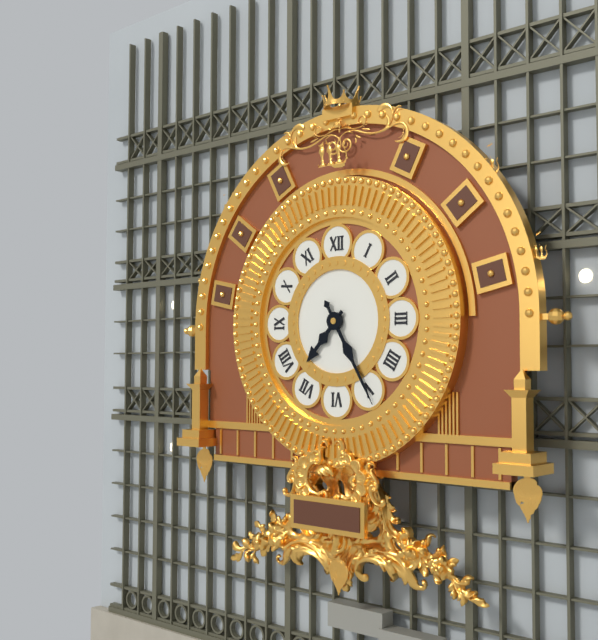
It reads 7:25
